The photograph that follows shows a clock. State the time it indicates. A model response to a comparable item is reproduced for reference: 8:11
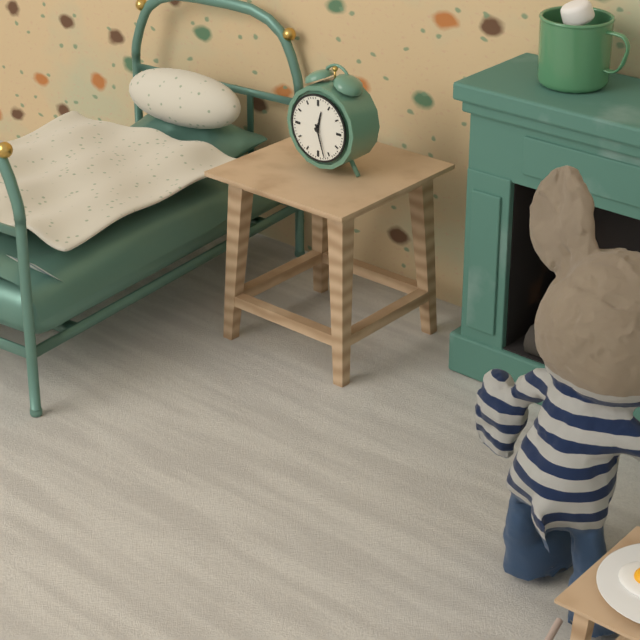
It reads 12:27
